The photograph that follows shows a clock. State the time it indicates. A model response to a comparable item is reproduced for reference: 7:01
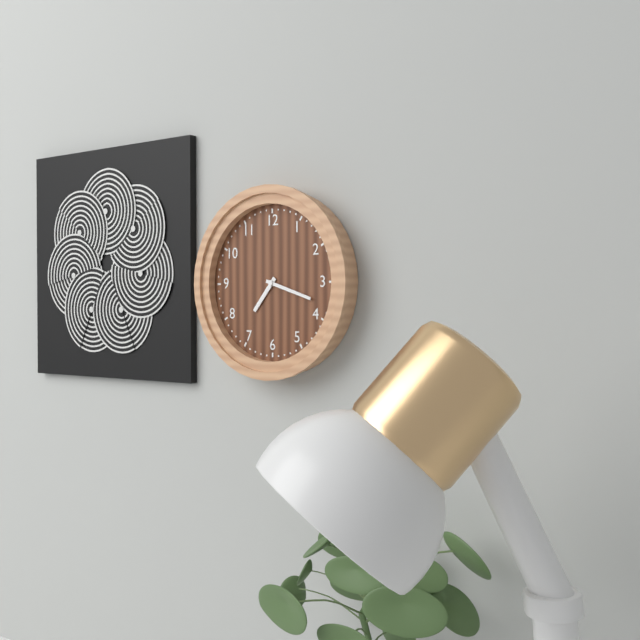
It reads 7:18
